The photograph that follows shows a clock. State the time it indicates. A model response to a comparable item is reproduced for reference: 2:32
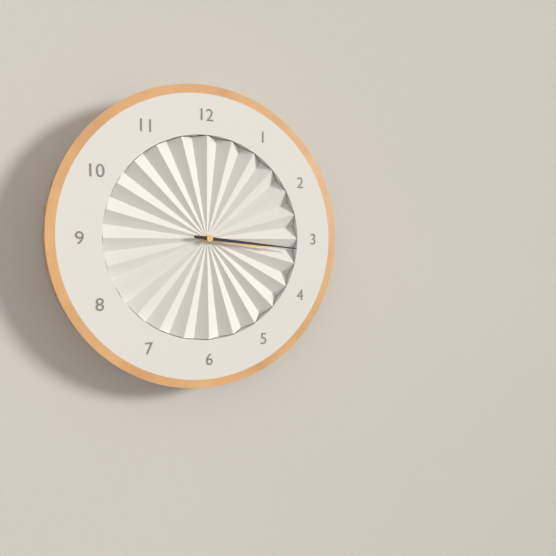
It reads 3:16
